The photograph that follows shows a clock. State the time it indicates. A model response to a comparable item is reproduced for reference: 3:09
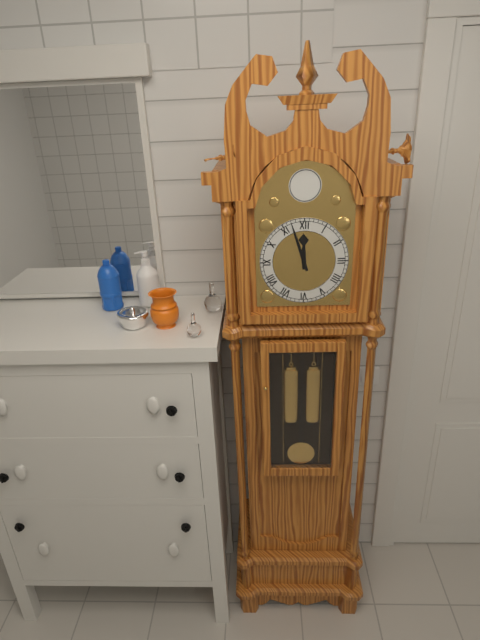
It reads 11:57
